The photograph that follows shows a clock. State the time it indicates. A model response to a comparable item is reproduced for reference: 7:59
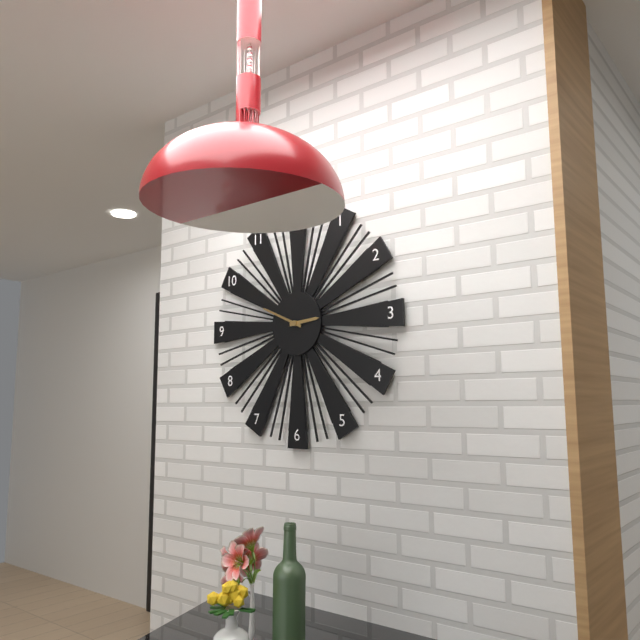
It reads 2:49
